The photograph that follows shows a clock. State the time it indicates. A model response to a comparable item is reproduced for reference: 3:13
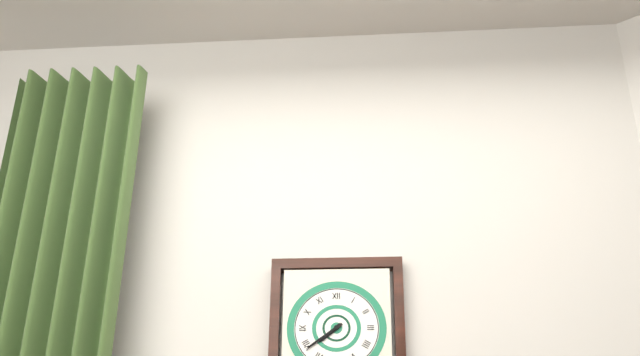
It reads 7:39
